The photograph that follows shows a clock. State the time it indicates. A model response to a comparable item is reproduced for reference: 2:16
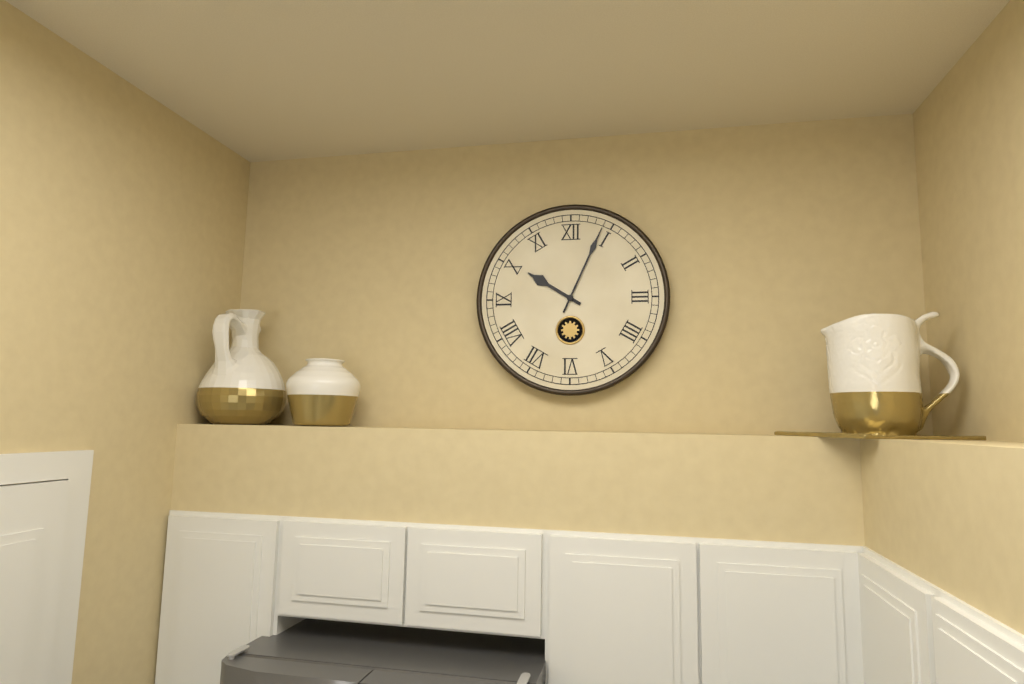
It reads 10:04
